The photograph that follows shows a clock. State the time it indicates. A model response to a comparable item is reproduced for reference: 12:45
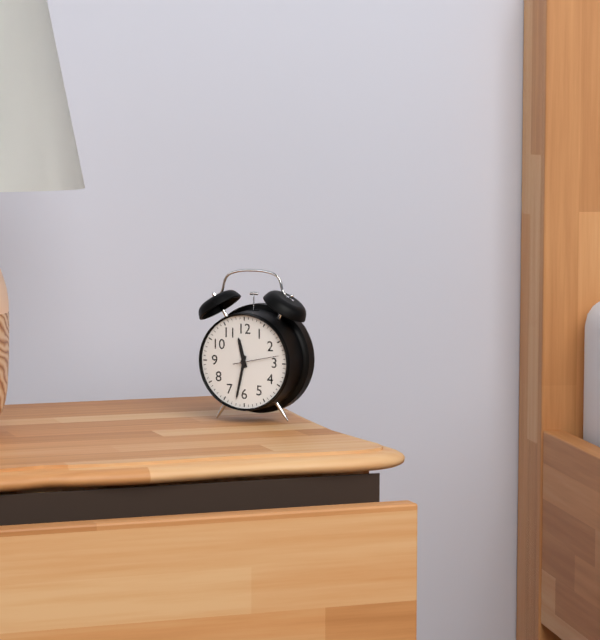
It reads 11:32
